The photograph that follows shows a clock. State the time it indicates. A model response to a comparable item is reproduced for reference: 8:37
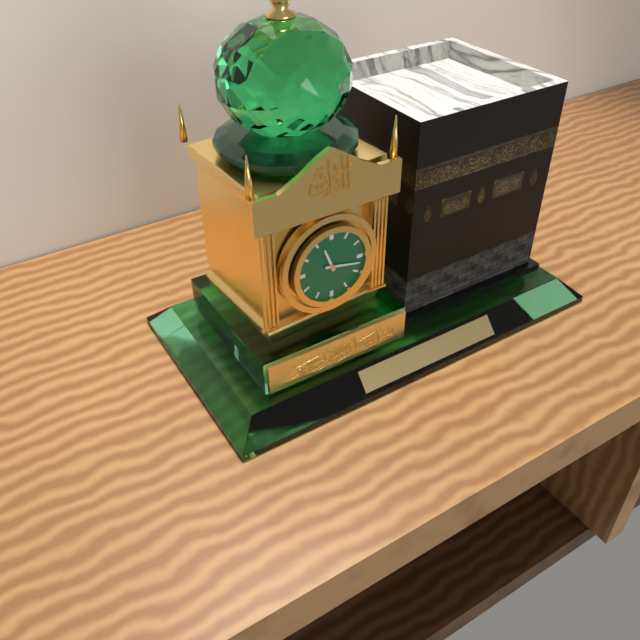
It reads 11:17
